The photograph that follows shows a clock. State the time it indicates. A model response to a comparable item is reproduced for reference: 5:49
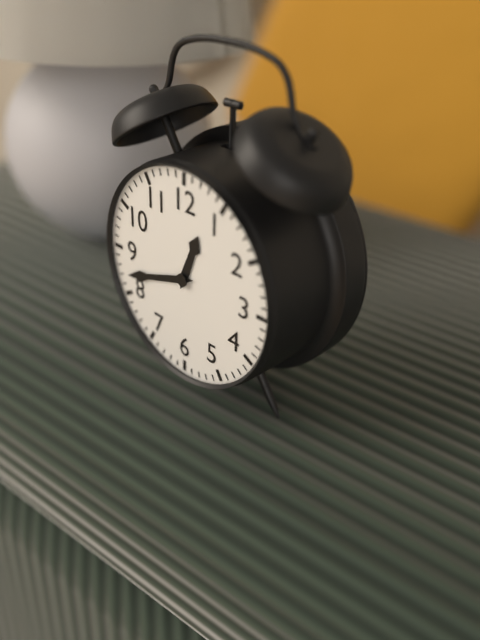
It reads 12:42
